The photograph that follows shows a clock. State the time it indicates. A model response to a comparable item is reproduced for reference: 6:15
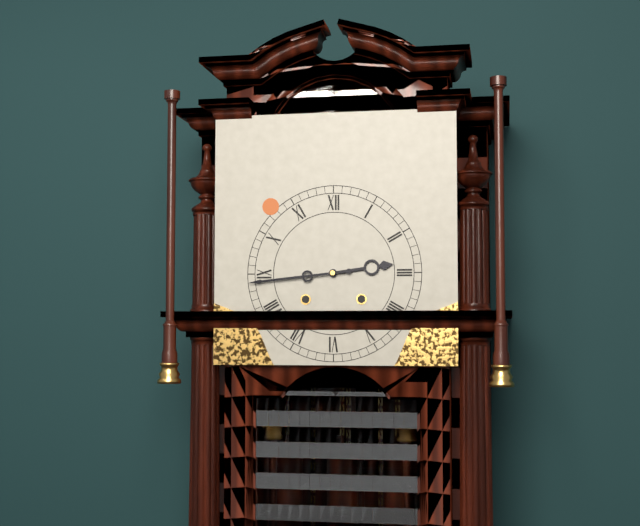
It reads 2:44
